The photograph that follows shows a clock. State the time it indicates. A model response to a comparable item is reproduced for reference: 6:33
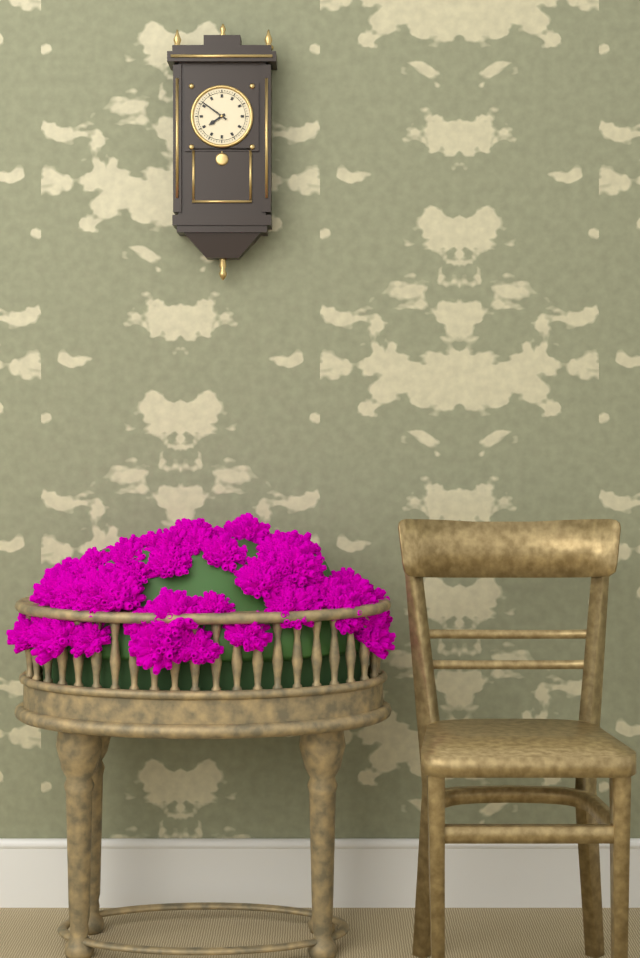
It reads 7:51
